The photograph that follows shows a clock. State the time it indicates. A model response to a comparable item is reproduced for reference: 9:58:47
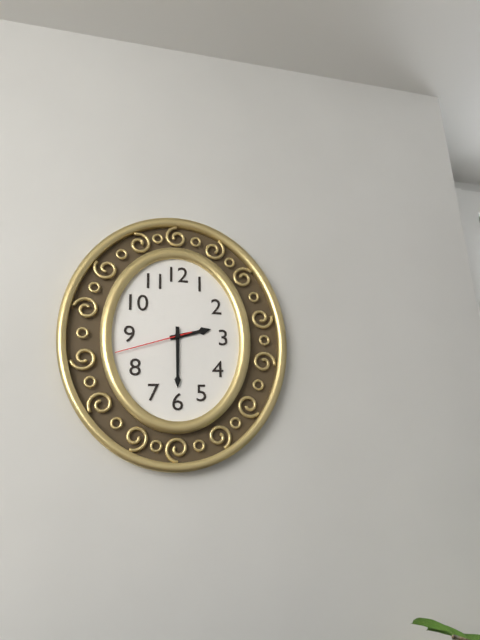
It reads 2:30:42
